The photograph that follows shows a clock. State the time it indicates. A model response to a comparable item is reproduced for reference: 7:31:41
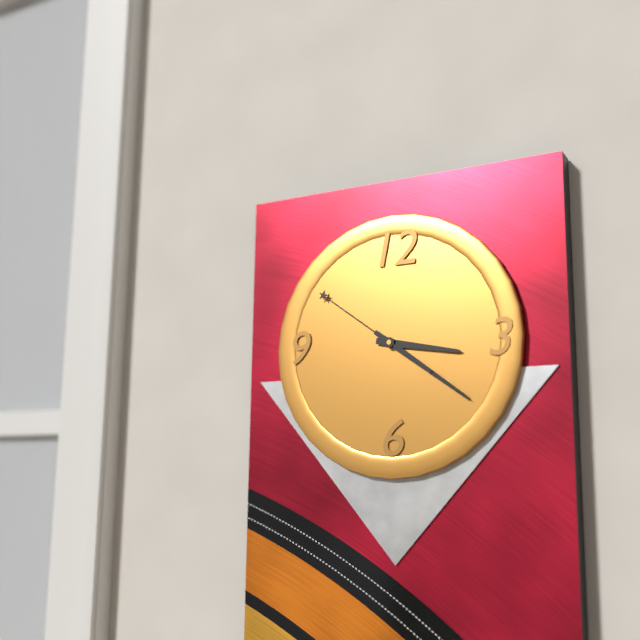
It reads 3:21:51
